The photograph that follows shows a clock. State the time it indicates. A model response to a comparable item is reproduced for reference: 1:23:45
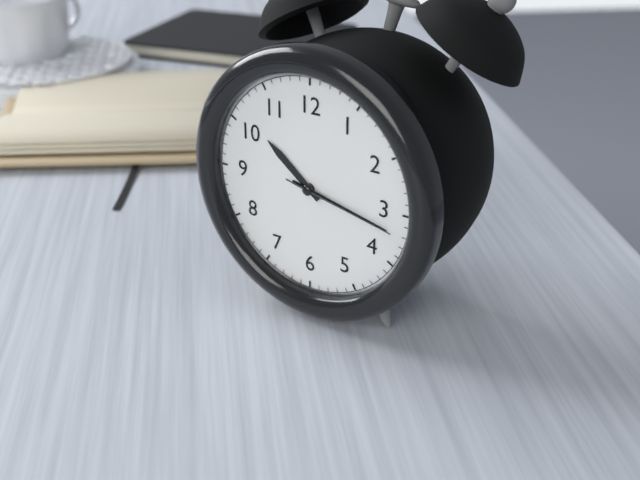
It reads 10:17:17
